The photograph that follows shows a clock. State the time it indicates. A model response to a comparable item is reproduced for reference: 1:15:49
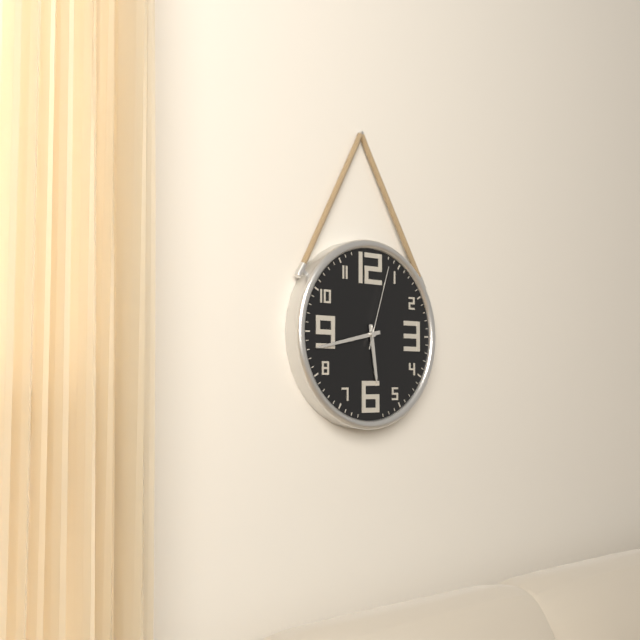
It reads 5:43:03
